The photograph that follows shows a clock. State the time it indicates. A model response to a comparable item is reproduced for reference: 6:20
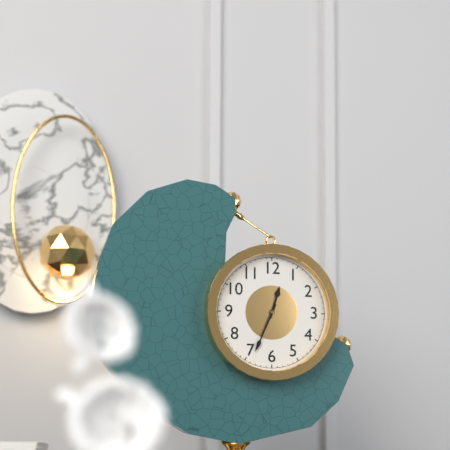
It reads 12:34
